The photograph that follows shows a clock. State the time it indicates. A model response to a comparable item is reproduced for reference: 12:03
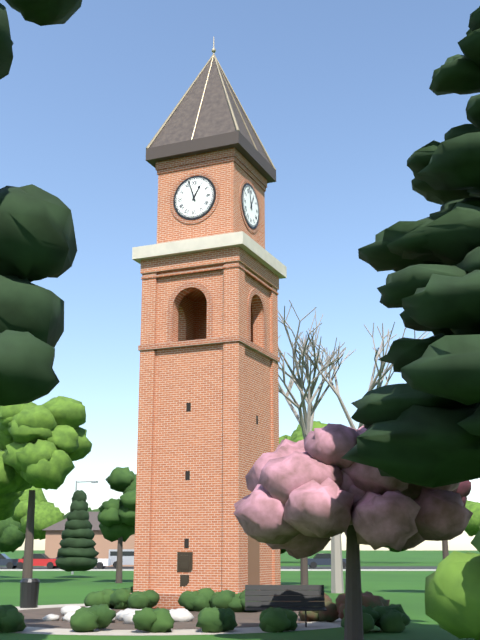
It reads 12:57
